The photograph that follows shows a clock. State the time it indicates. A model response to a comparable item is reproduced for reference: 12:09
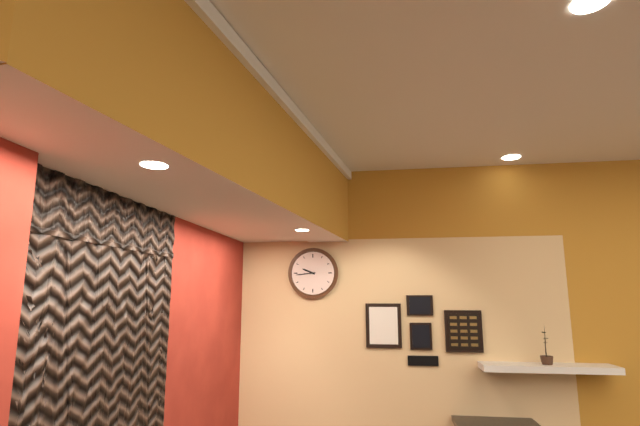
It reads 9:44
